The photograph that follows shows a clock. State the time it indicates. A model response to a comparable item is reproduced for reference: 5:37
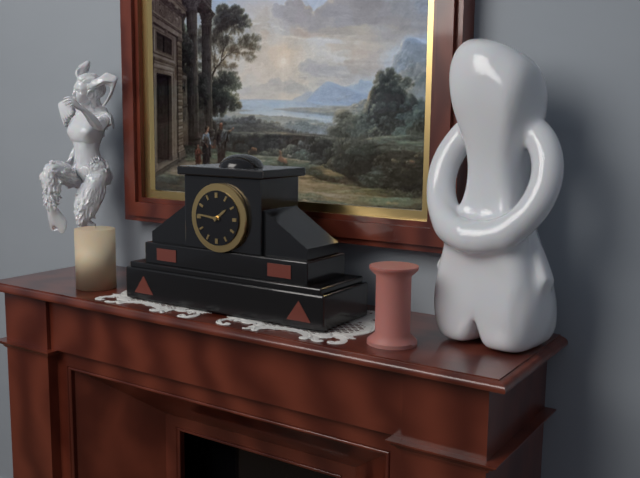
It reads 1:46
